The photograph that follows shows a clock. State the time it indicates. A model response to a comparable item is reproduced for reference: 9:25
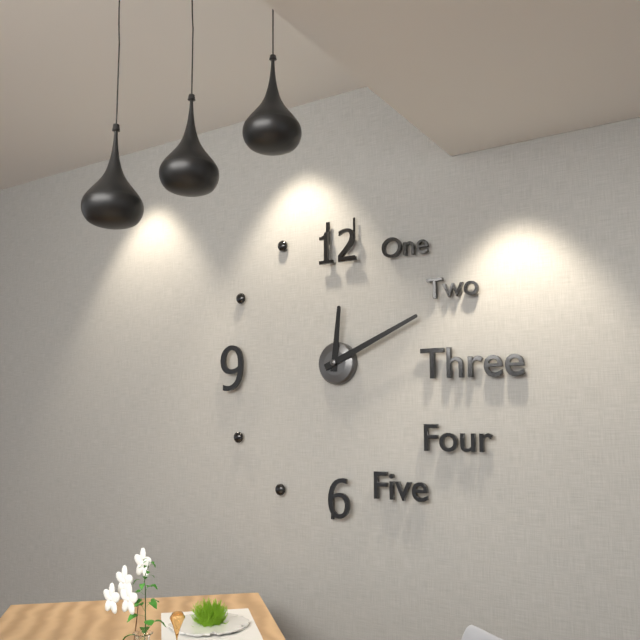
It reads 12:11
